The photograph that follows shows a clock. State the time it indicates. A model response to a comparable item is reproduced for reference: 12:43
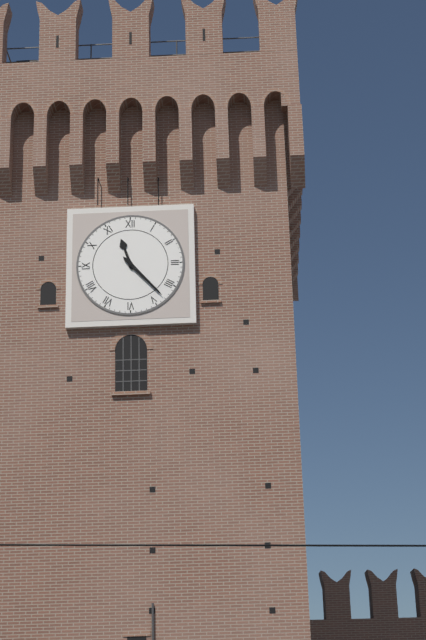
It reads 11:23
